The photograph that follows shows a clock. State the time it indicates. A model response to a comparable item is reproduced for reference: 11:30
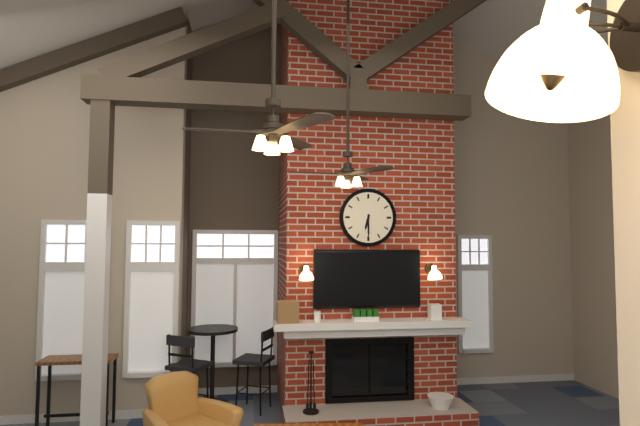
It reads 6:30
